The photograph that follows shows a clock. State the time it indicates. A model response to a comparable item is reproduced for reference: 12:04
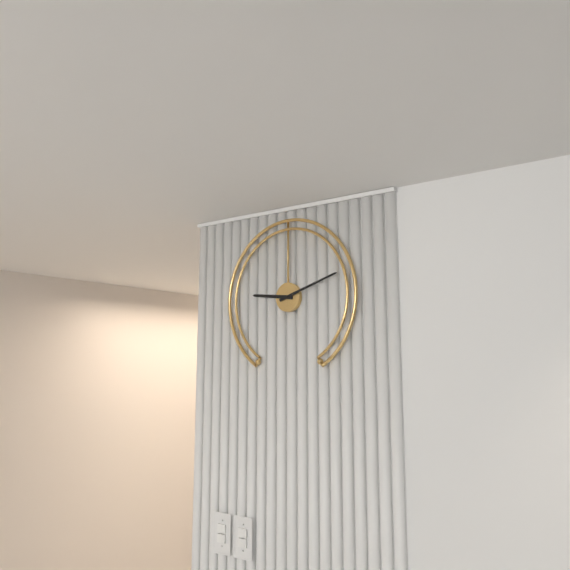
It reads 9:12
